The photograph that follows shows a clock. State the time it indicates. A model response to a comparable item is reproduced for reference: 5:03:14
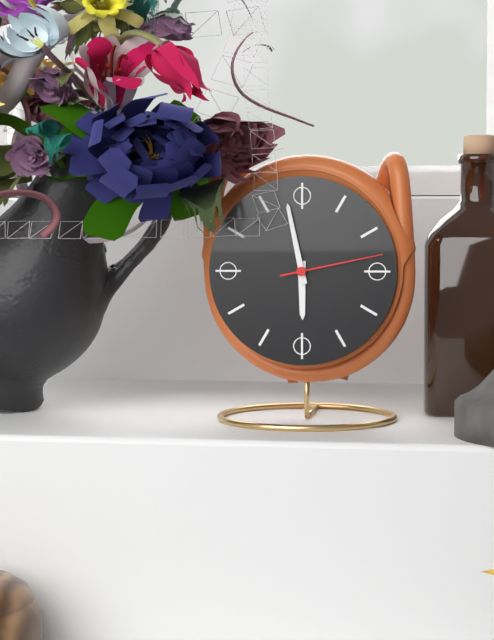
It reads 5:58:13
